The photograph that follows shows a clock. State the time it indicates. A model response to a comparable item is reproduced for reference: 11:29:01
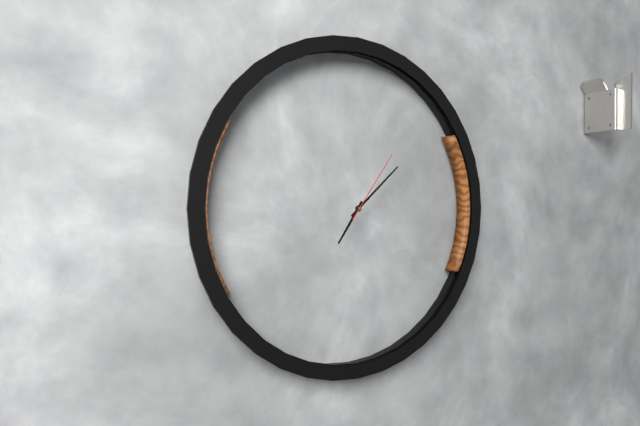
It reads 7:08:06
